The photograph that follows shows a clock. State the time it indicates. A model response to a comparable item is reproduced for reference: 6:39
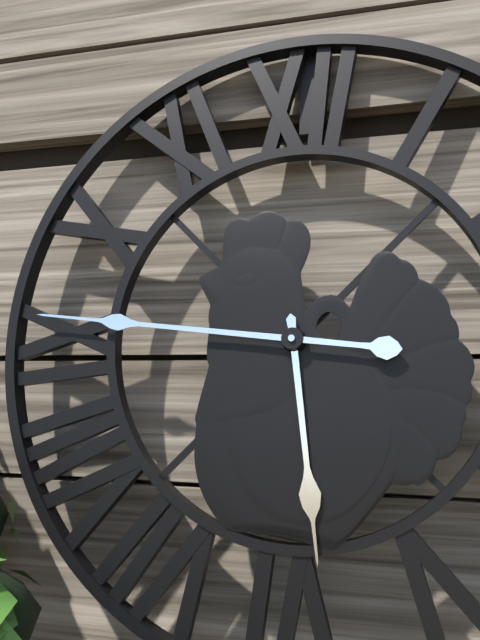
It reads 5:46
